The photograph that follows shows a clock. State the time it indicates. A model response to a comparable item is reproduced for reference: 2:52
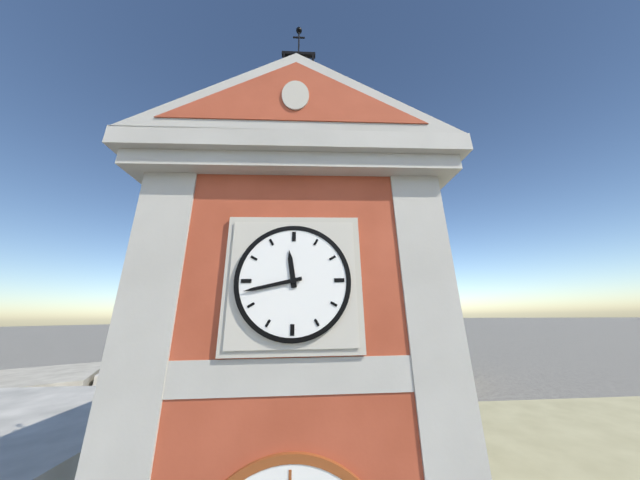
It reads 11:43
